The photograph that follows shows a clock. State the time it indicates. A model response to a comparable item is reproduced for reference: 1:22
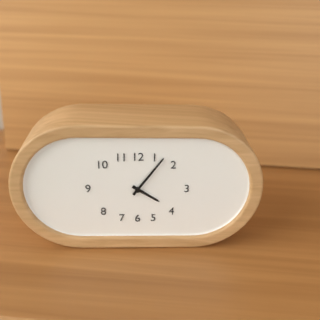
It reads 4:06
